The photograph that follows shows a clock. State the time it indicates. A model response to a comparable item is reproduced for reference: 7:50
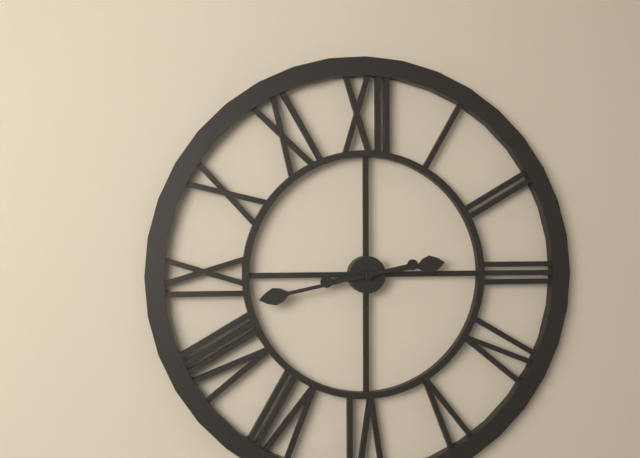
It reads 2:43
